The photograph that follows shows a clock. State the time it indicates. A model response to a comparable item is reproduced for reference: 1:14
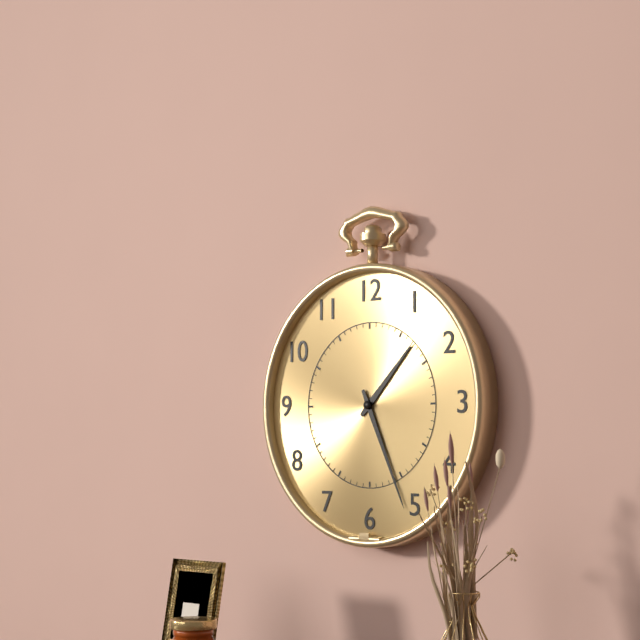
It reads 1:26
